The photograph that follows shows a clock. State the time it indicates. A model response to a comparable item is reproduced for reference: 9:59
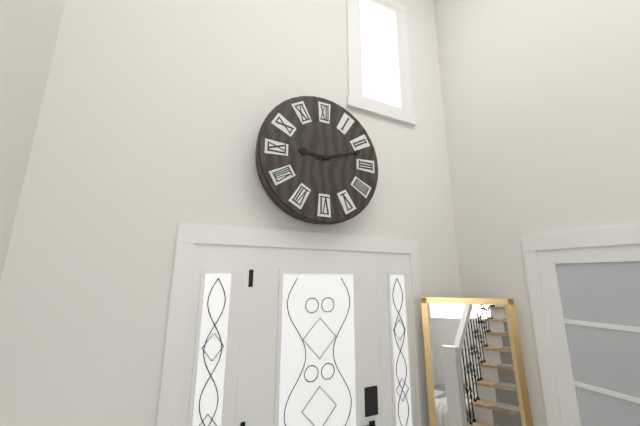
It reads 9:12
